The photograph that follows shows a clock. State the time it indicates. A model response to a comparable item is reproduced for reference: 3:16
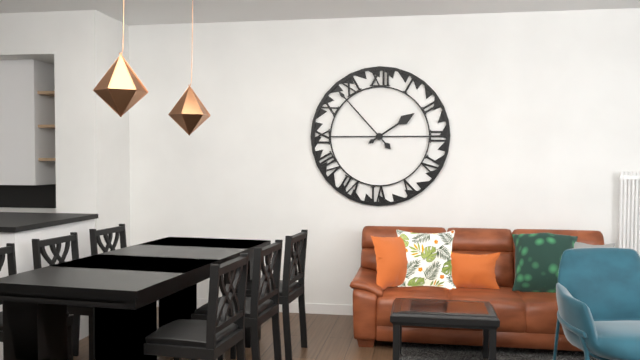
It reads 1:53
